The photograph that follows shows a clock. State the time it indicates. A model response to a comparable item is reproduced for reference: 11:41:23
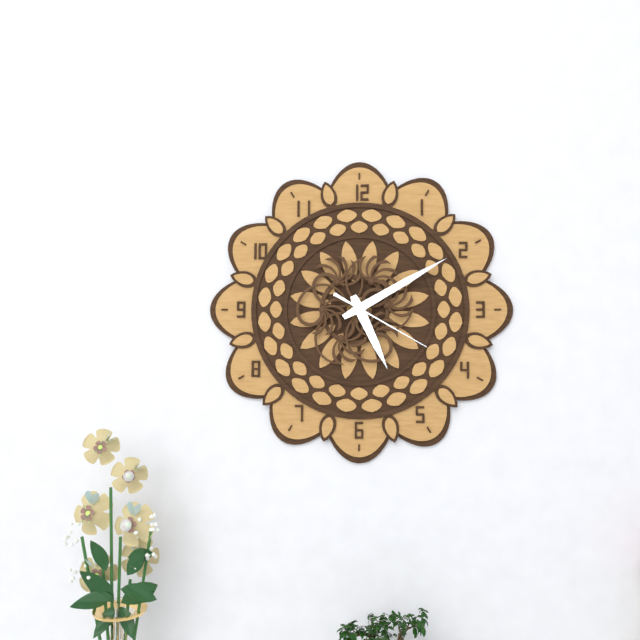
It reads 5:10:20
